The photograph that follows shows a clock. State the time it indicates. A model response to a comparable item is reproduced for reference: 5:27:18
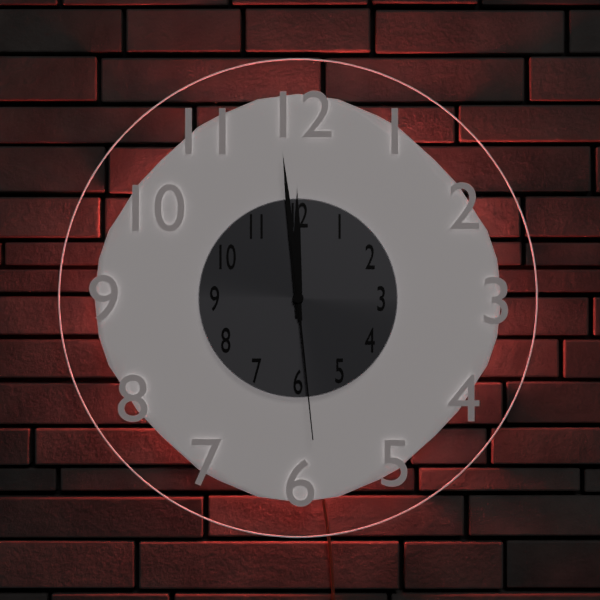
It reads 11:59:29
